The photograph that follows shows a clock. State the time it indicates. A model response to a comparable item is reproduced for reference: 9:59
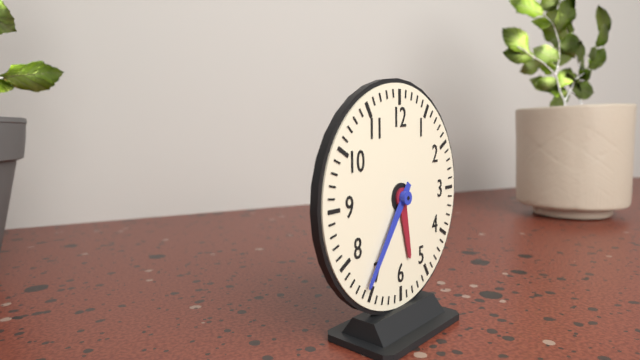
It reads 5:36
